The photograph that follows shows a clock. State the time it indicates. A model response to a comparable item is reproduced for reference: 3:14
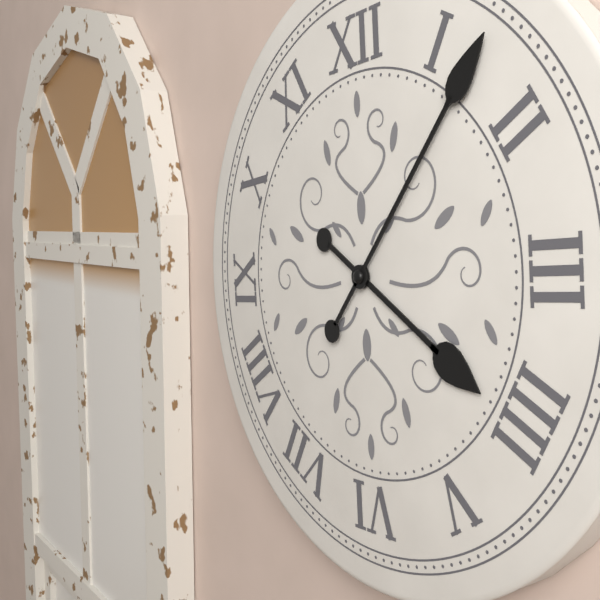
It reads 4:07
